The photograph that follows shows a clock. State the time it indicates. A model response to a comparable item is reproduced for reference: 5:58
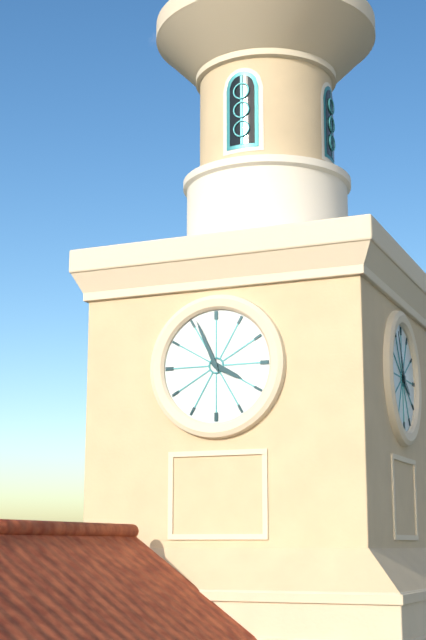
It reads 3:56
